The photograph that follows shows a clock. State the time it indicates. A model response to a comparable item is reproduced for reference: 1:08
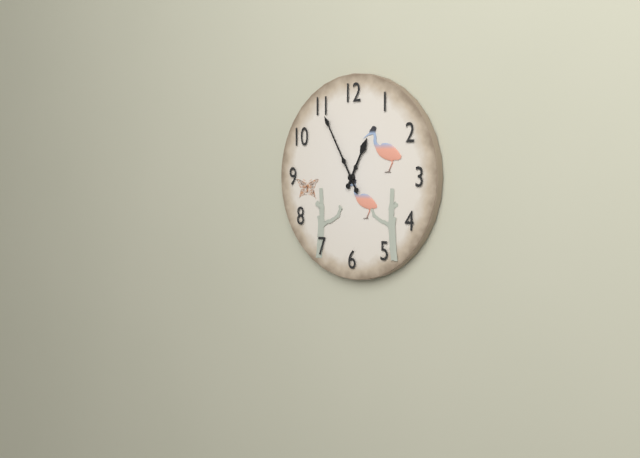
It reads 12:55
